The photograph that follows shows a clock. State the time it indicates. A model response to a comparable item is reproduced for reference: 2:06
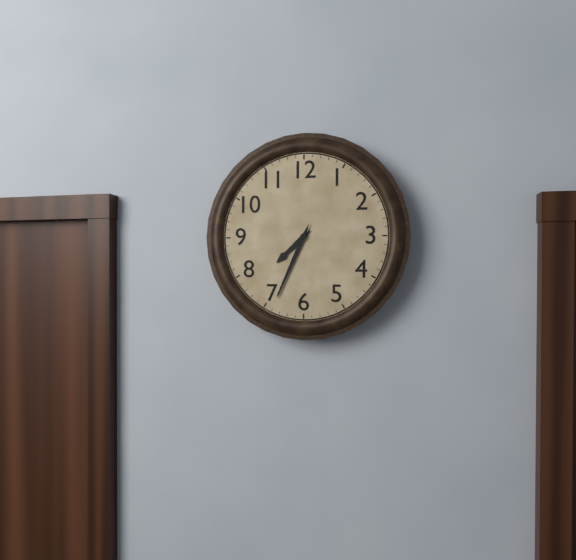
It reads 7:34
